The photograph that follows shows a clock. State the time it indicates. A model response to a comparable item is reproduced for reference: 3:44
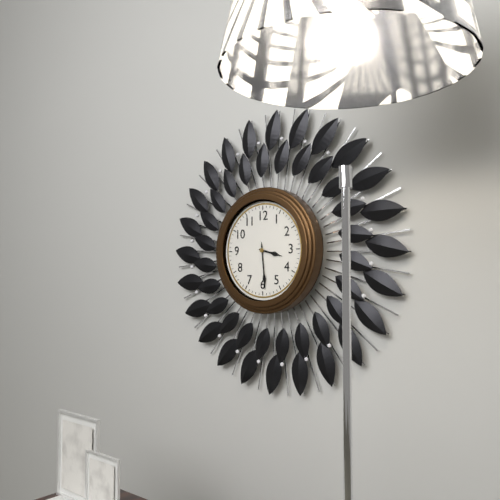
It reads 3:29
